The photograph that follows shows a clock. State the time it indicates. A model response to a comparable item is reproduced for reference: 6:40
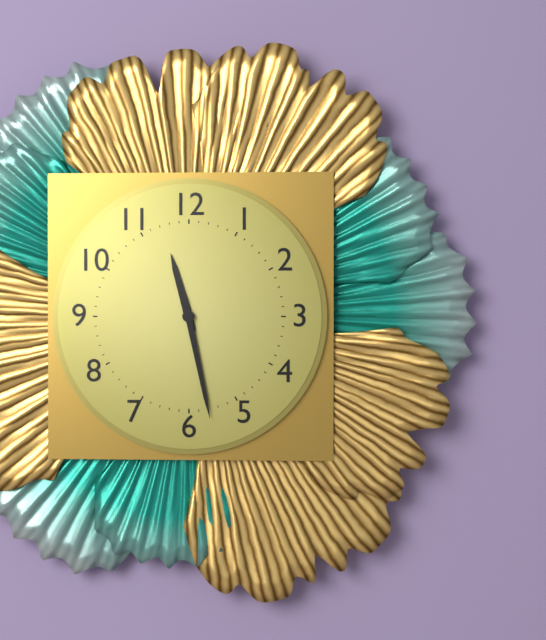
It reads 11:28
